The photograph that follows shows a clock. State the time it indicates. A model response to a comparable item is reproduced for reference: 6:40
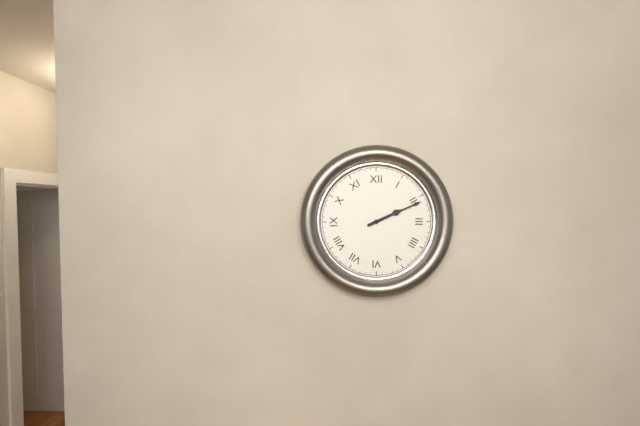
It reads 2:11
